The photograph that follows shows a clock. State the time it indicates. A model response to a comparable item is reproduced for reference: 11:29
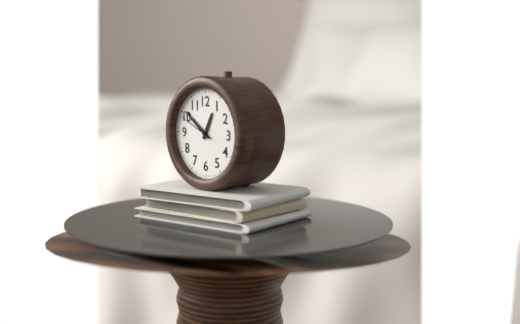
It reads 12:51
